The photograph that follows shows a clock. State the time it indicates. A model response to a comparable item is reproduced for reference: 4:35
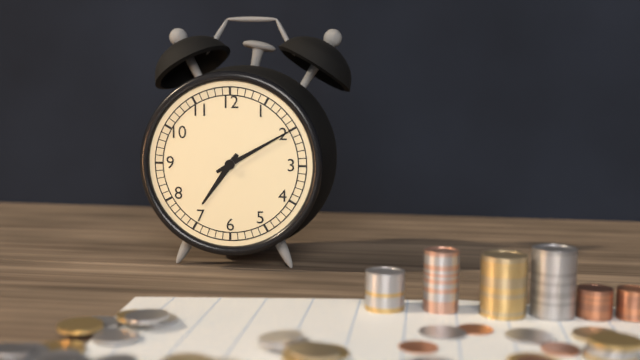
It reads 7:10
